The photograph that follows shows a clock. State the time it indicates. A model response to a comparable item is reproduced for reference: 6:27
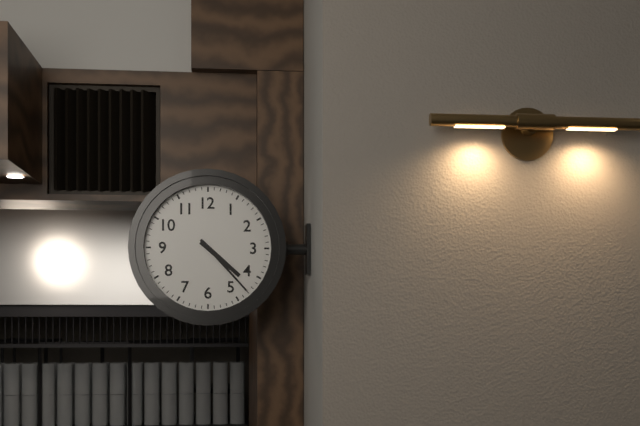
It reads 4:23
